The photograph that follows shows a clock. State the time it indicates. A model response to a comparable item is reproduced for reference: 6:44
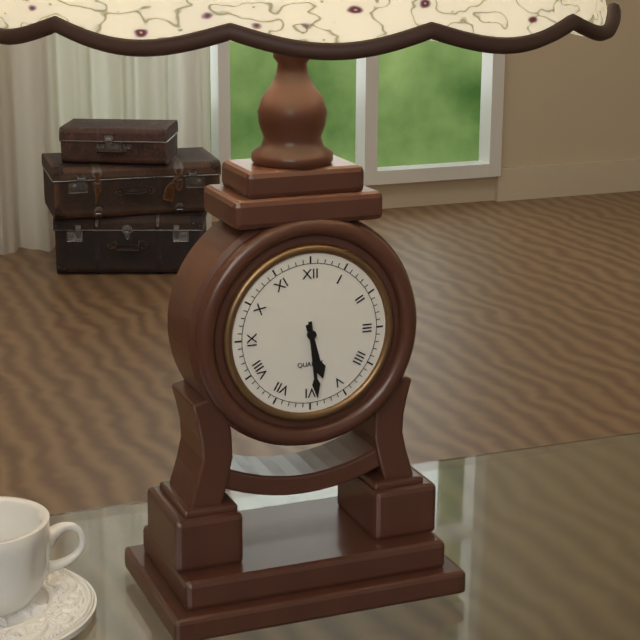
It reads 5:29
